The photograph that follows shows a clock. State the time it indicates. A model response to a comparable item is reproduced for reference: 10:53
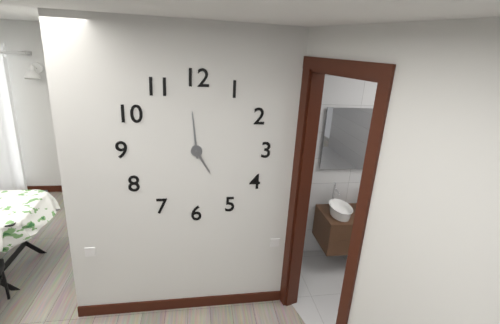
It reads 4:59
